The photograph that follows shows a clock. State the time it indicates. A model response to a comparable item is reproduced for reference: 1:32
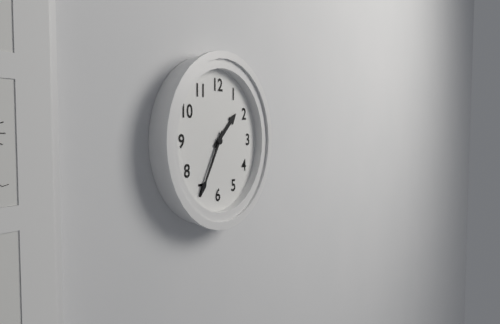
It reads 1:35
